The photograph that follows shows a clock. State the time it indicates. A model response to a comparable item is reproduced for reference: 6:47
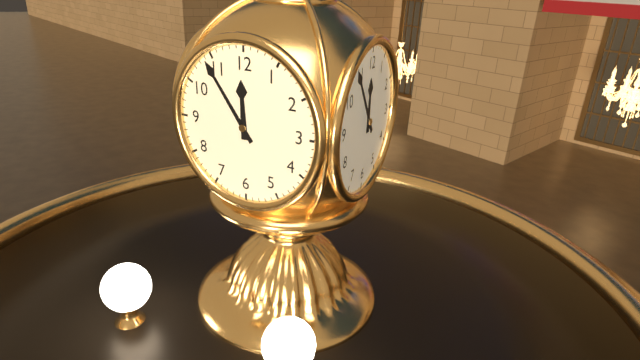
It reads 11:54
